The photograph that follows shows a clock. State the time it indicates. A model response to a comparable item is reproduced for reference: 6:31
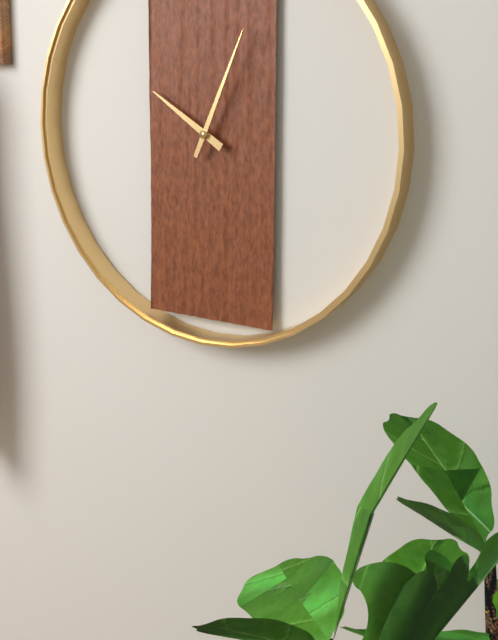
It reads 10:04
